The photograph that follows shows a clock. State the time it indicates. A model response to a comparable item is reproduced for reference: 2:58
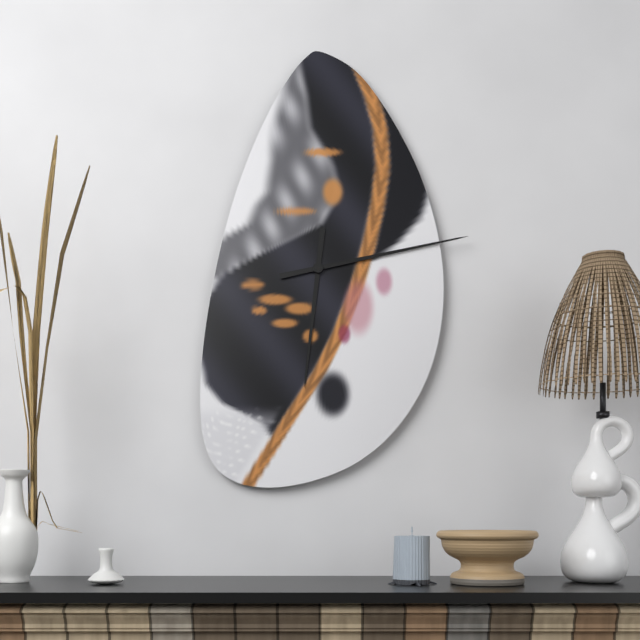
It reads 6:13
